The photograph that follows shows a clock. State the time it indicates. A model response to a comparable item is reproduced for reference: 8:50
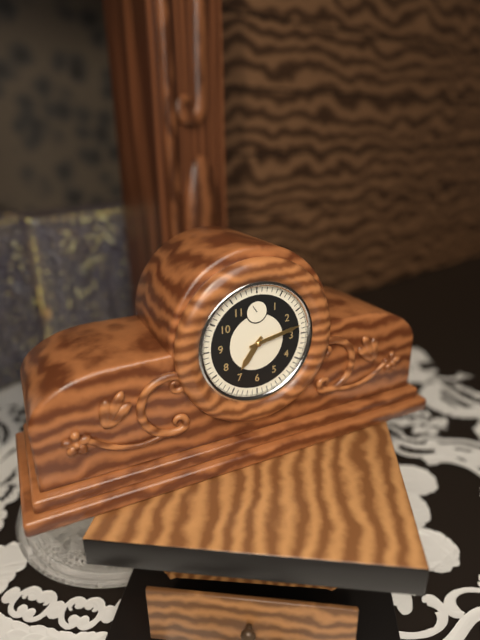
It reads 7:13
